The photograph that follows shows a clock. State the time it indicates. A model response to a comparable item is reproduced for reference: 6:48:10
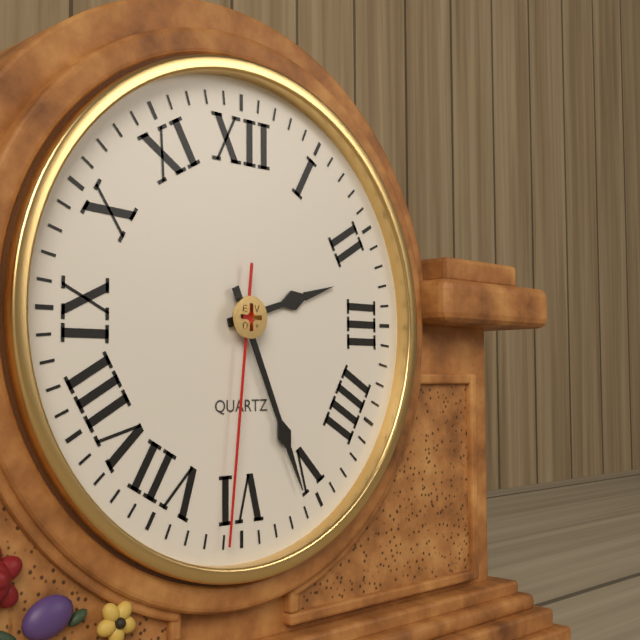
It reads 2:26:31
